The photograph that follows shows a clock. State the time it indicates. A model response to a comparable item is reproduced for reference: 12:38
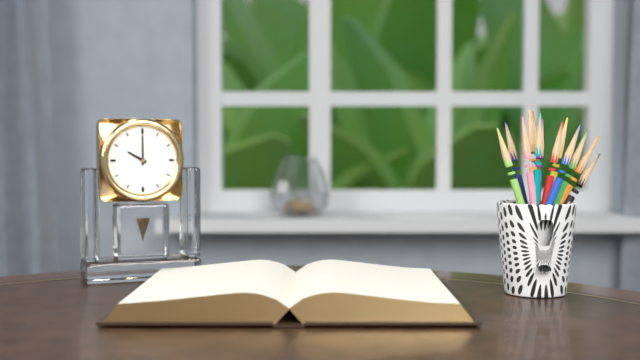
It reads 10:00
